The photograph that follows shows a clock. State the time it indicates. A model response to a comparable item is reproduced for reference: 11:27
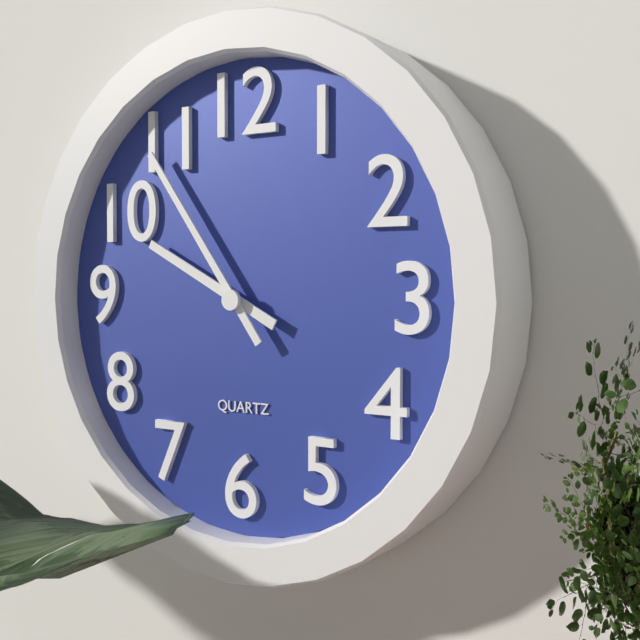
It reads 9:54
